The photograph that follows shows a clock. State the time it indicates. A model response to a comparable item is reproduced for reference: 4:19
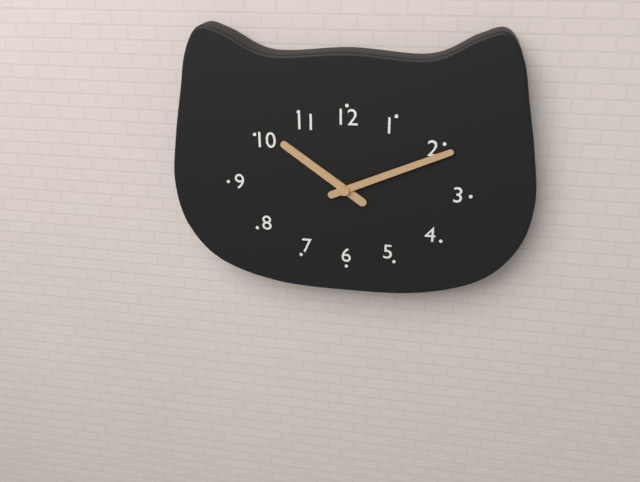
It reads 10:11
